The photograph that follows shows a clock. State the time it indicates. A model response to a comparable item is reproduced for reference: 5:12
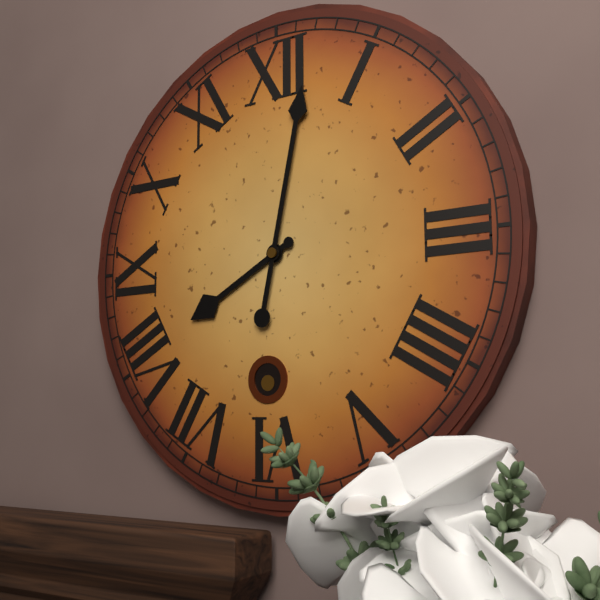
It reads 8:02
